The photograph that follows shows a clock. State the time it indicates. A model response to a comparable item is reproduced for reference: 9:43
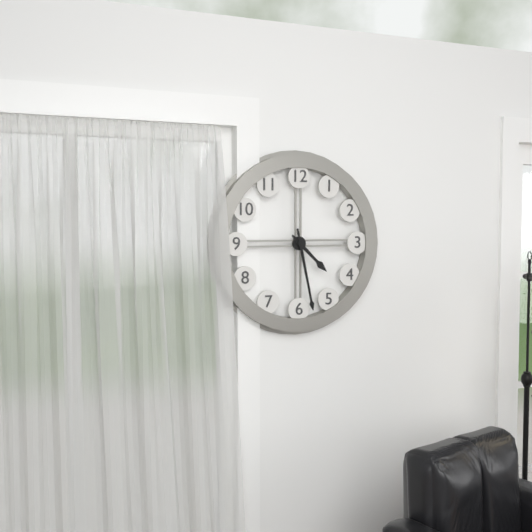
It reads 4:28
